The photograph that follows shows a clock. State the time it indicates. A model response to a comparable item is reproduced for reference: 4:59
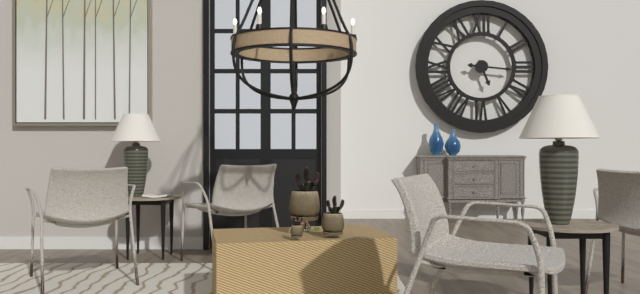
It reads 5:16
